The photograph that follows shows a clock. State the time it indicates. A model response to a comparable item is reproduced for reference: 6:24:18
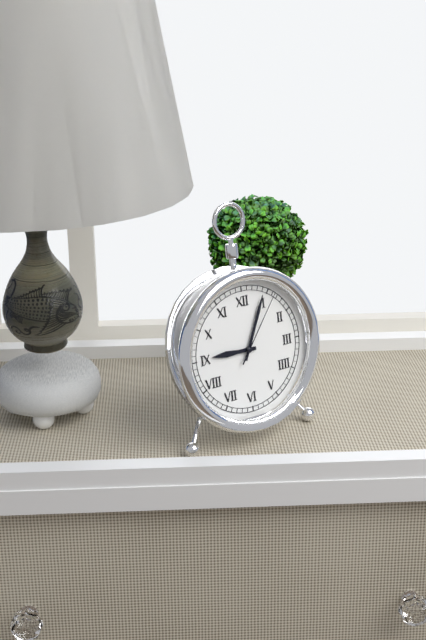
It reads 9:04:06
